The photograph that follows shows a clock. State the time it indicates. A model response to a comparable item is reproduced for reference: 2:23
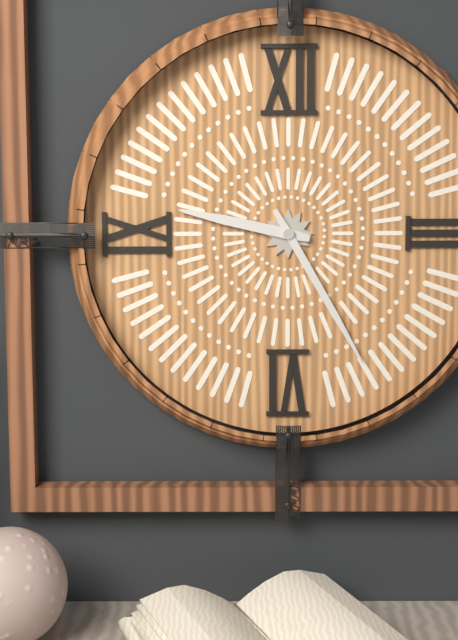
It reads 9:25
